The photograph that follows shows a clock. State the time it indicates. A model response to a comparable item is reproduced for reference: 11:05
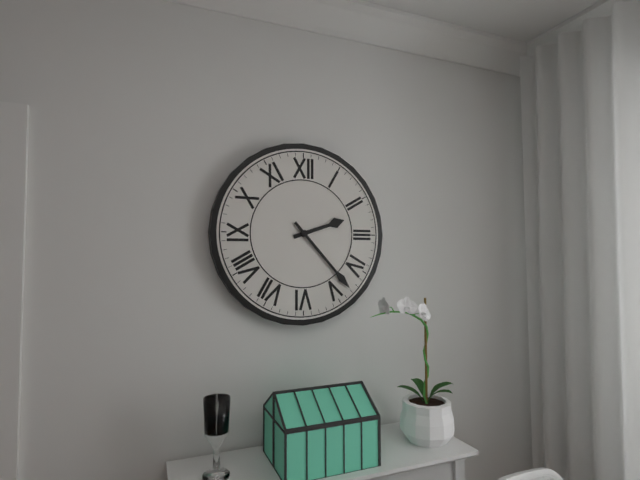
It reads 2:23
